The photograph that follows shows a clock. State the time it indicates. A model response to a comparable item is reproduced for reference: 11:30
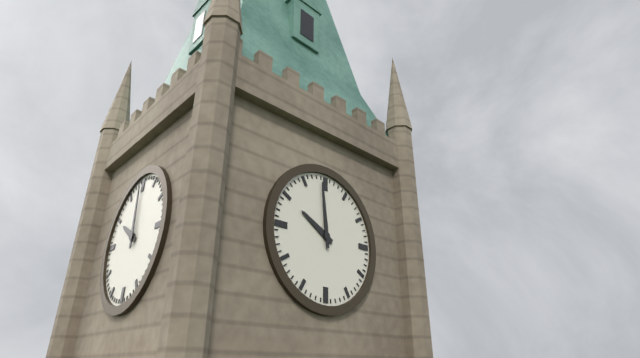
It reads 9:59
